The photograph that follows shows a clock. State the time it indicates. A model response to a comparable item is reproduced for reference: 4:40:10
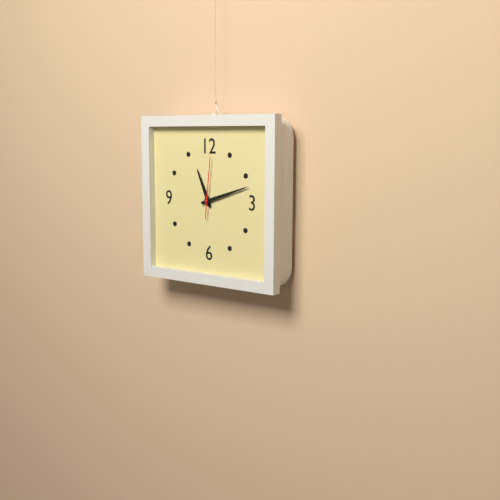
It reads 11:12:01
